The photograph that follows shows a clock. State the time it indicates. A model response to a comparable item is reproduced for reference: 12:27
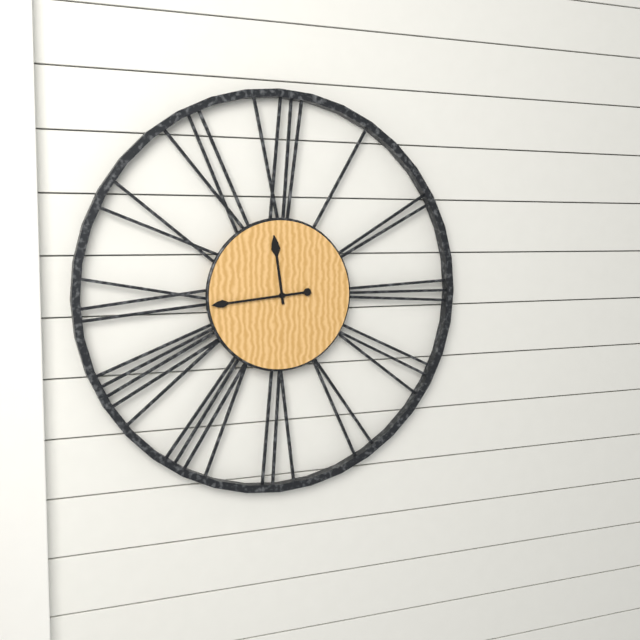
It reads 11:44
